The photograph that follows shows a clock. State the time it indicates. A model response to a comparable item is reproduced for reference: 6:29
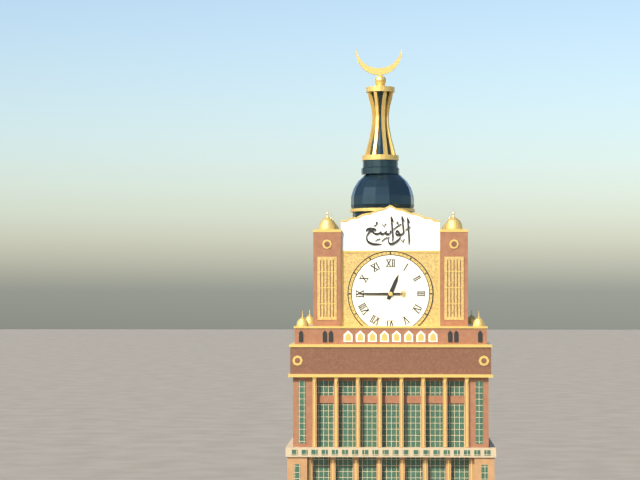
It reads 12:45
